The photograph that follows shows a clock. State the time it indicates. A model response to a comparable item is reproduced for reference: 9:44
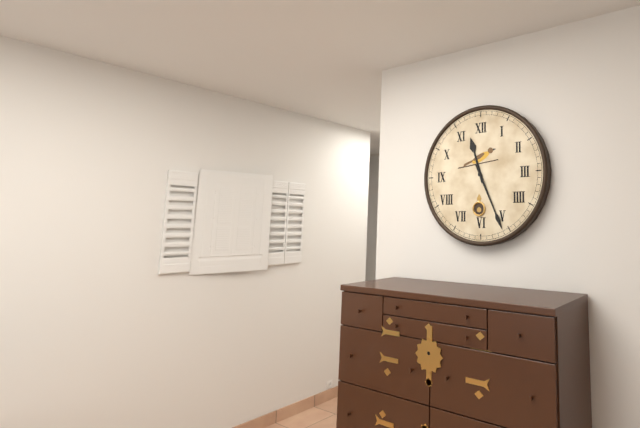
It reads 11:26
